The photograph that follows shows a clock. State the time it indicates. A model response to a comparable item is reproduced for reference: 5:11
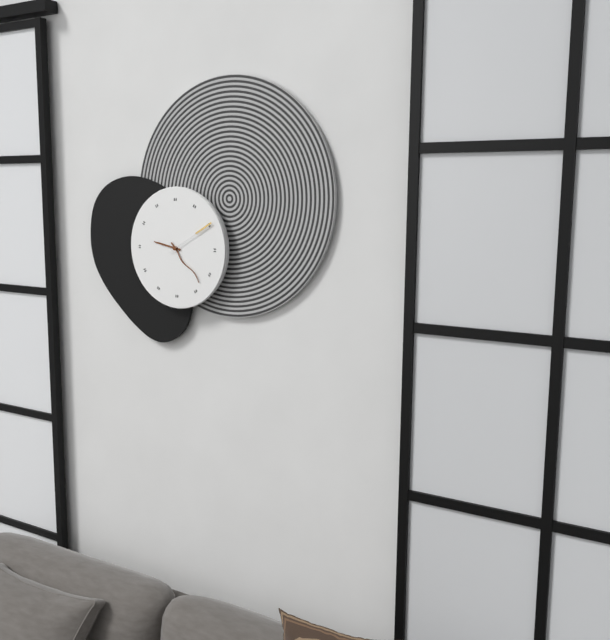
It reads 9:23
